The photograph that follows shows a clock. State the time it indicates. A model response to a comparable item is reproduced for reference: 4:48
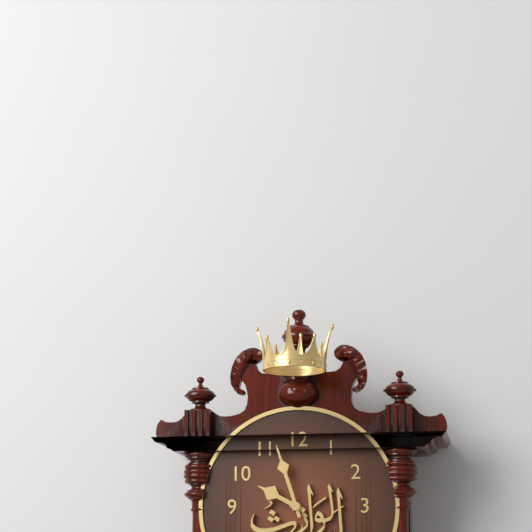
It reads 9:57
